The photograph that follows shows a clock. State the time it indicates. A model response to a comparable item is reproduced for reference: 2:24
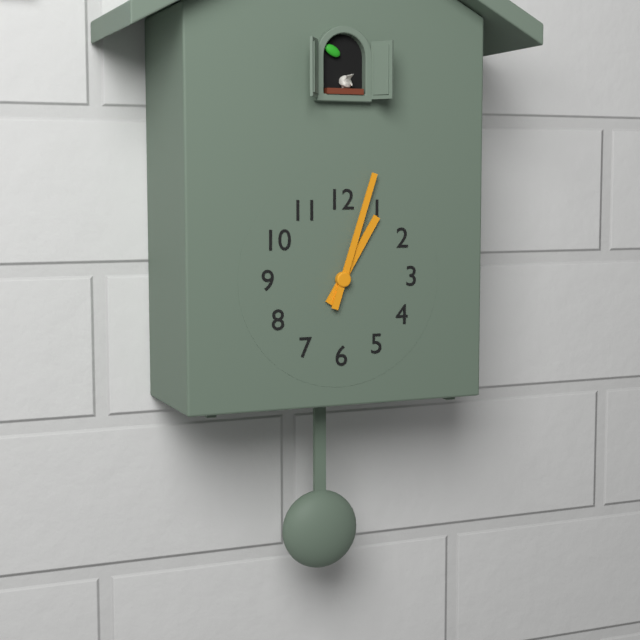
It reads 1:03
